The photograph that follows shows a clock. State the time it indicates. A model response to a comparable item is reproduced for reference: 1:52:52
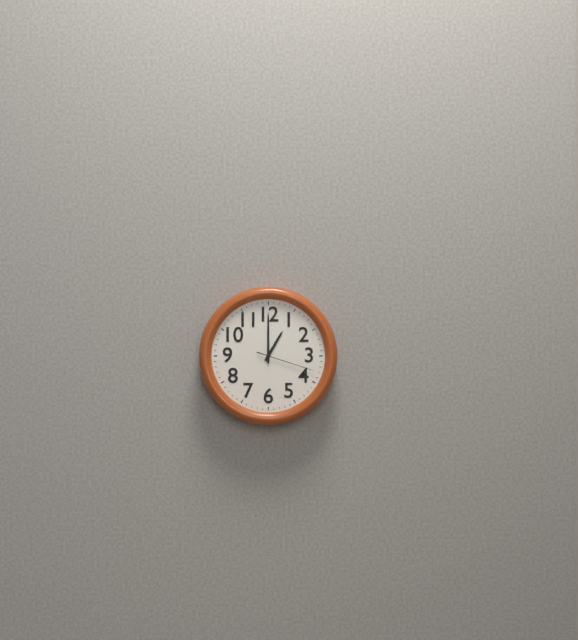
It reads 1:00:18
